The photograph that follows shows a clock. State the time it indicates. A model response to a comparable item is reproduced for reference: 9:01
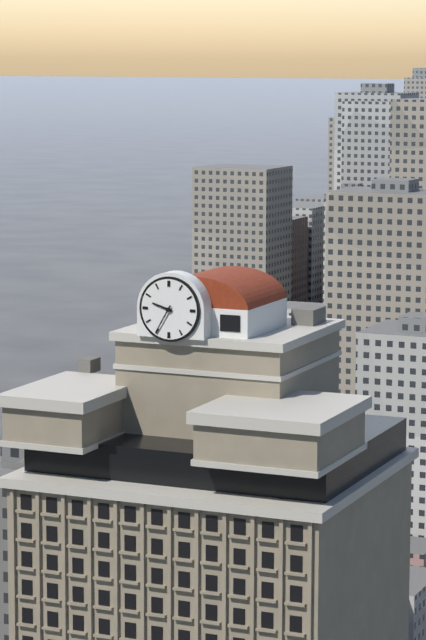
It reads 9:35
